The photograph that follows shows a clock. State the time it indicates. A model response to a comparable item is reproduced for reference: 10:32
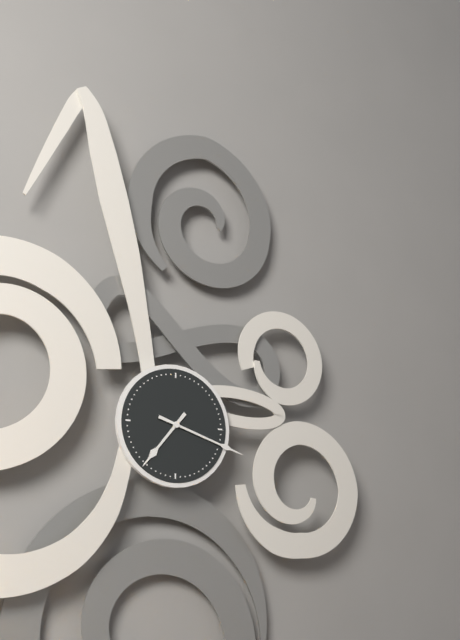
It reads 7:18
